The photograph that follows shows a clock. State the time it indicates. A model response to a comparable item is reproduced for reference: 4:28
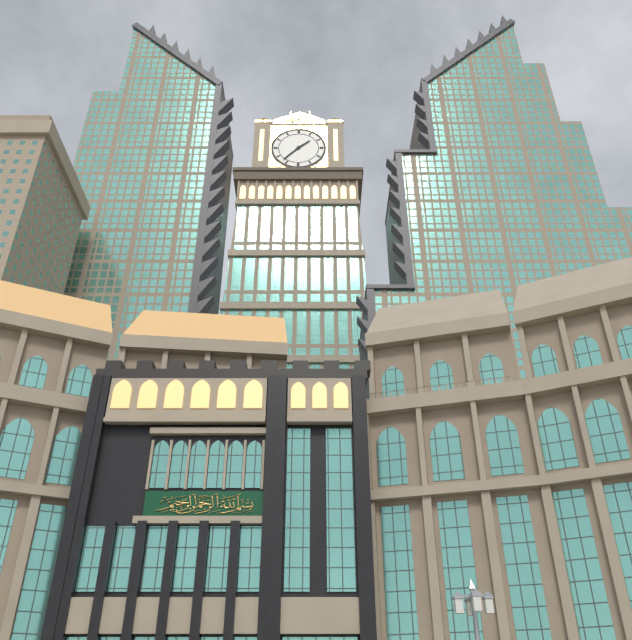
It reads 1:37
